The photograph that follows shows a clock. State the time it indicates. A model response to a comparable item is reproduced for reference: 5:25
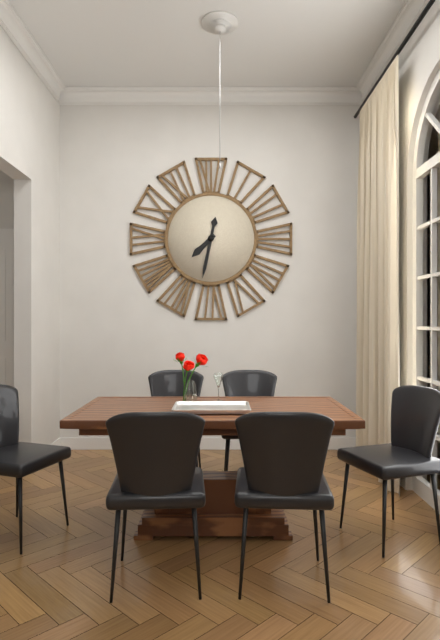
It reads 7:32
